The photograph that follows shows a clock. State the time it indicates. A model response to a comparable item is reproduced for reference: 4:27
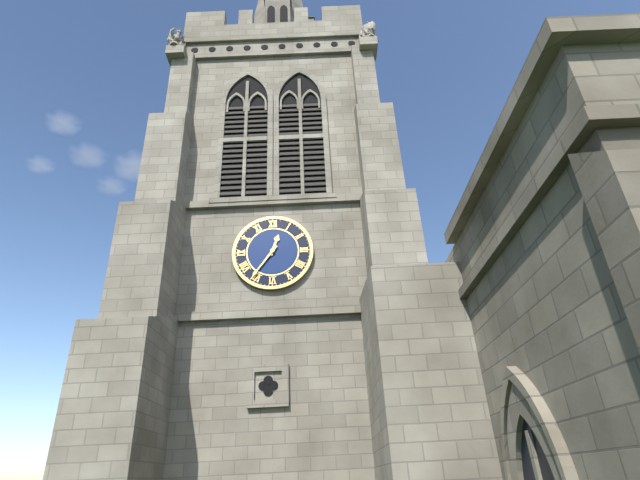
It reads 12:36
